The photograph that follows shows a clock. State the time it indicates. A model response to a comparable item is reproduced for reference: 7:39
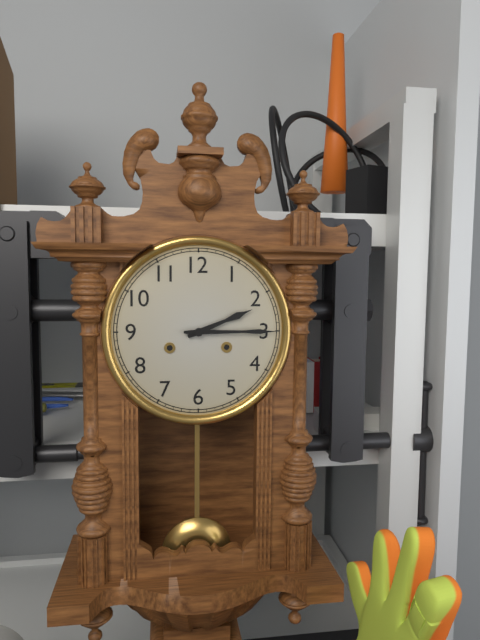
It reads 2:15
